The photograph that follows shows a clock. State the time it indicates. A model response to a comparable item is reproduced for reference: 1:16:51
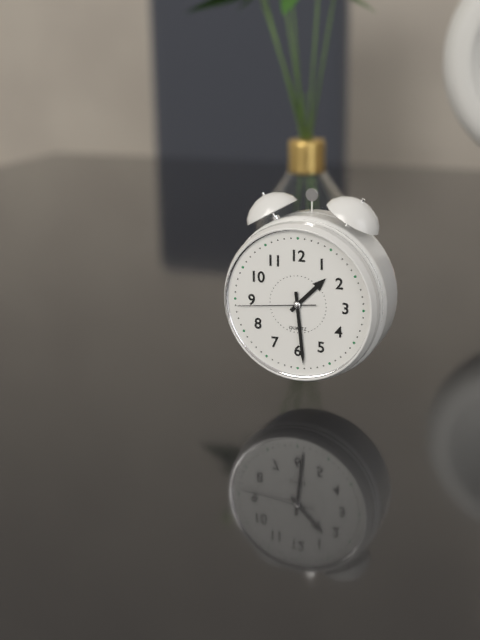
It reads 1:29:44
